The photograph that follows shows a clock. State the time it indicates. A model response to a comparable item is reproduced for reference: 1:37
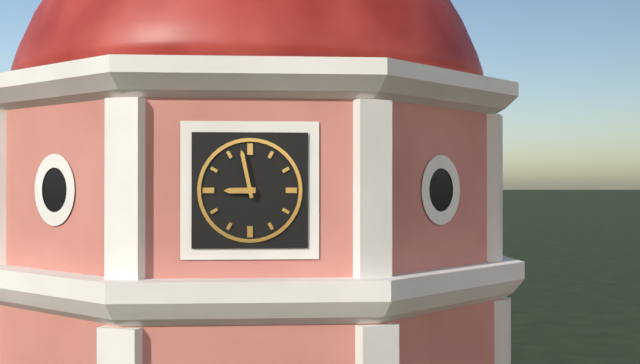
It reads 8:58
